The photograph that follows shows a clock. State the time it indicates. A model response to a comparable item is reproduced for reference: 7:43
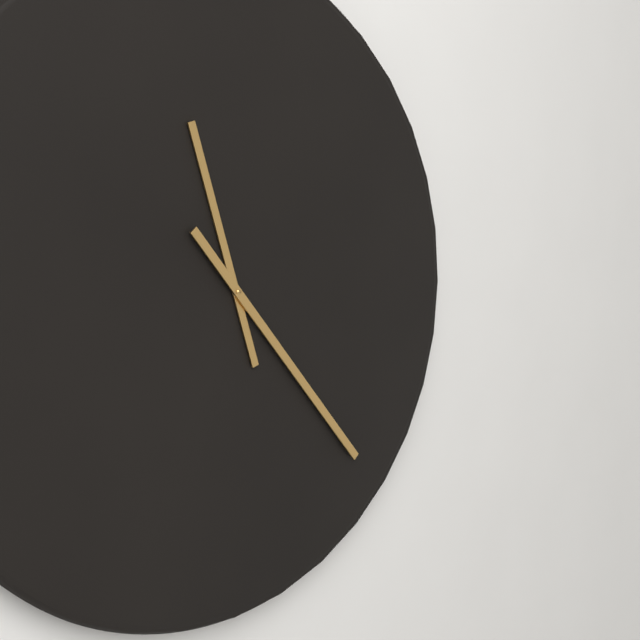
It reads 11:23
